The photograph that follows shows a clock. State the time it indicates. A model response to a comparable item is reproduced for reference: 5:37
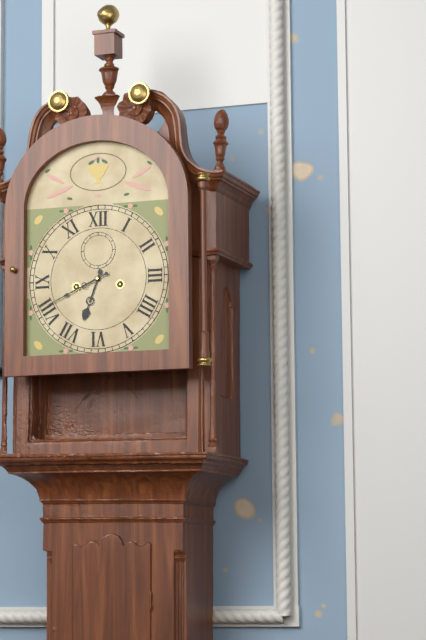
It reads 6:41
